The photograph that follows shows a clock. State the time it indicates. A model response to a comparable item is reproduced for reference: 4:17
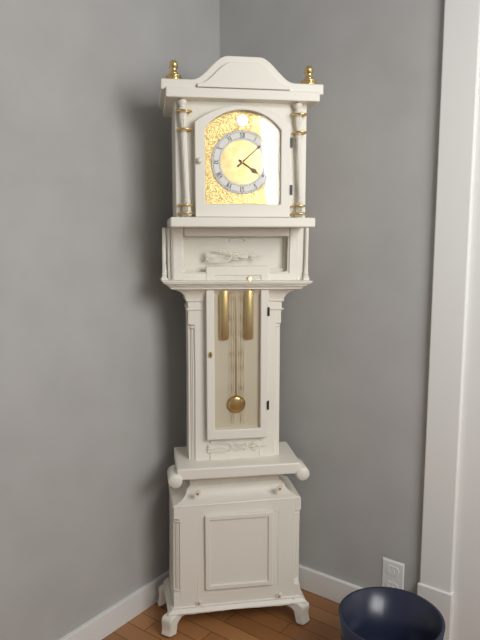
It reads 4:08
